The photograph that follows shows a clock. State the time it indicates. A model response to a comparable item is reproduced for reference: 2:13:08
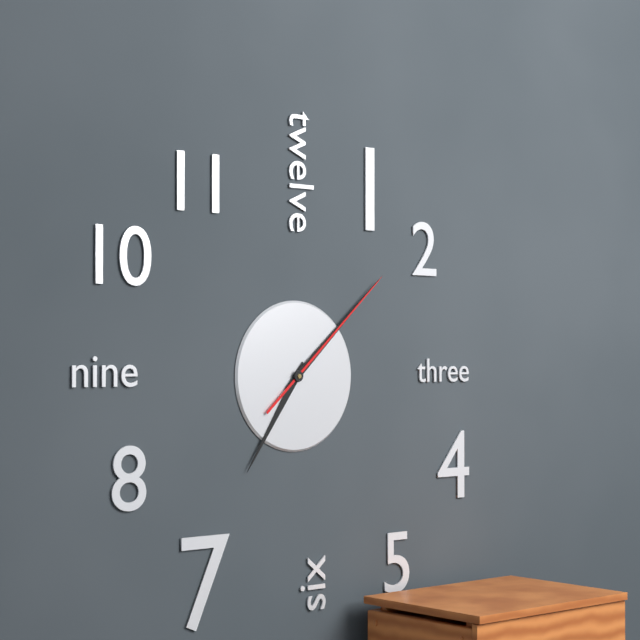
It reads 7:08:08
